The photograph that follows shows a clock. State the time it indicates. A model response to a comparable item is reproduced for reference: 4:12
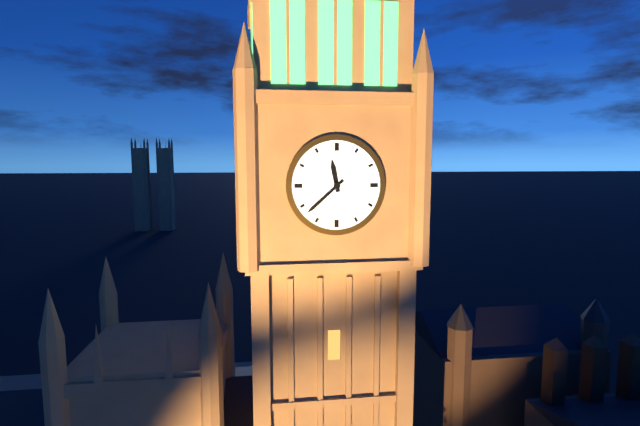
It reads 11:38
